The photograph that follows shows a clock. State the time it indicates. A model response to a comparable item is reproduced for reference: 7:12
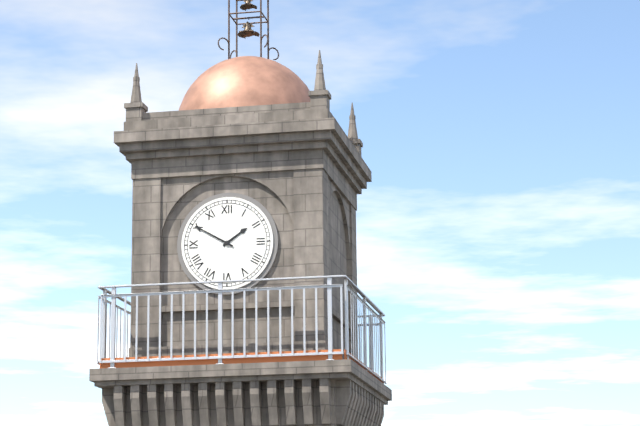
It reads 1:50
